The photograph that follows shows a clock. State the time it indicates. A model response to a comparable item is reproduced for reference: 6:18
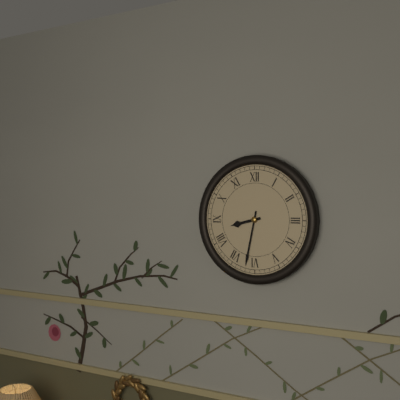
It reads 8:32
